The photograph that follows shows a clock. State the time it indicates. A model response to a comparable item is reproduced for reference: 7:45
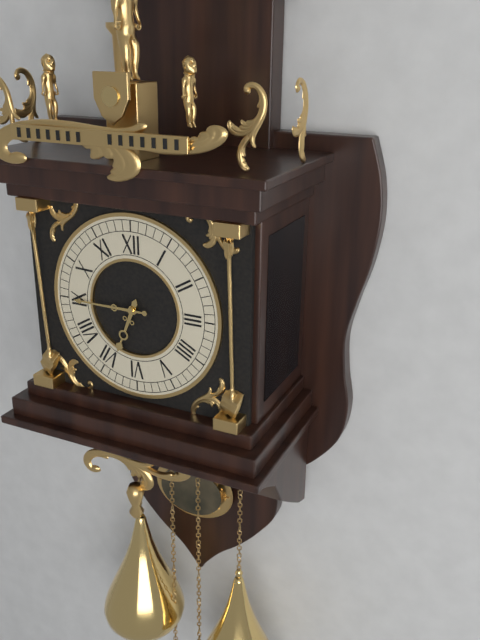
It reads 6:45
